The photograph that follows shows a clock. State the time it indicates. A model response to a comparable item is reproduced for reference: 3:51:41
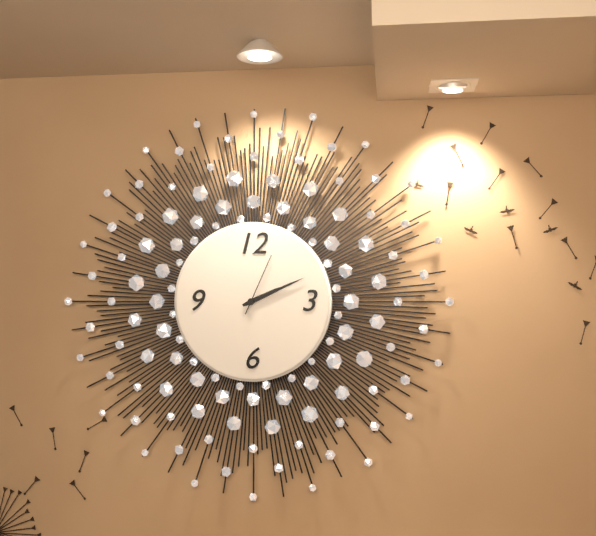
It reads 2:11:04
